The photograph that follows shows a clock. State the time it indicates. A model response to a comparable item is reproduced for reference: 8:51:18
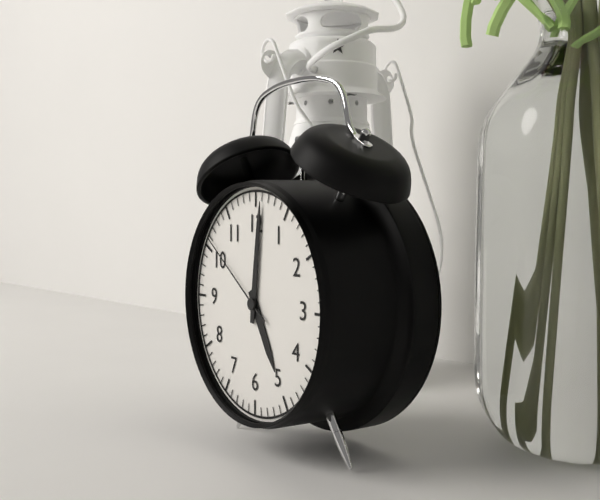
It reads 5:01:51
